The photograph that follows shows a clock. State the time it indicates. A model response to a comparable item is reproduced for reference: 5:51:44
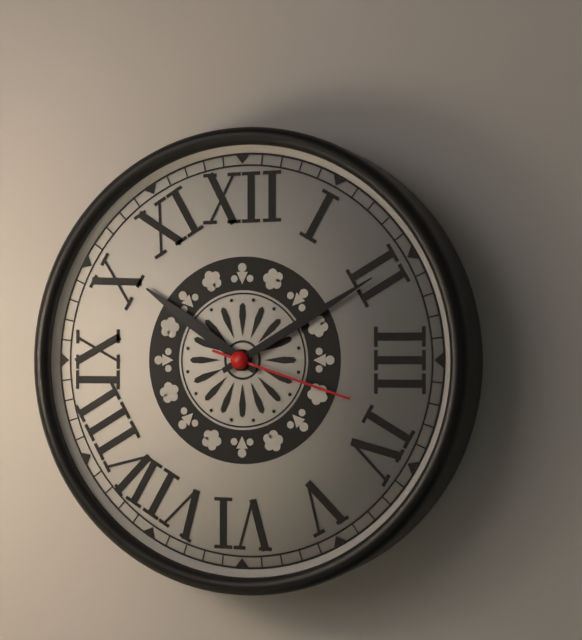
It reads 10:10:18
